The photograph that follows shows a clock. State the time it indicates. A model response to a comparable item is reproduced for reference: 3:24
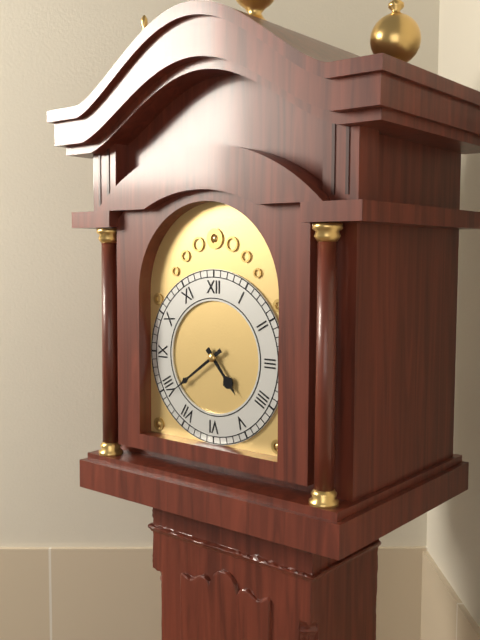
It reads 4:39
